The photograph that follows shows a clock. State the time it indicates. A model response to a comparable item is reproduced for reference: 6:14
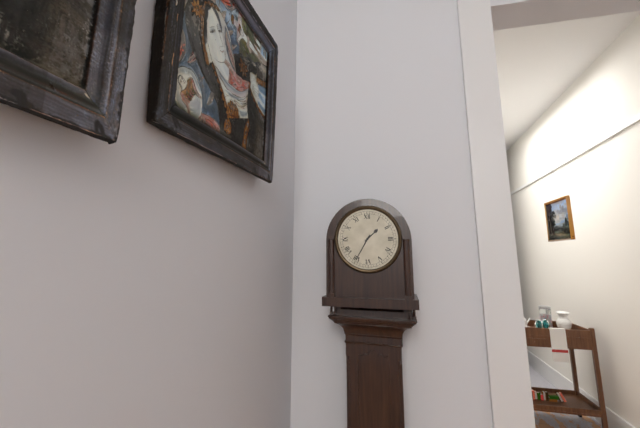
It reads 1:35
